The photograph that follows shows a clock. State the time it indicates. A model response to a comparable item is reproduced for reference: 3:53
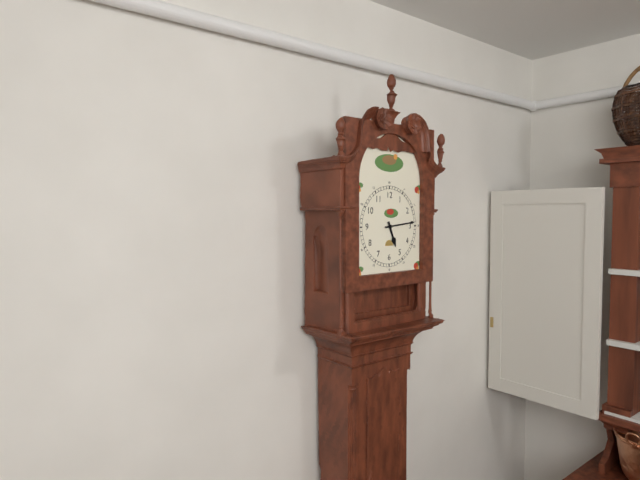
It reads 5:14
